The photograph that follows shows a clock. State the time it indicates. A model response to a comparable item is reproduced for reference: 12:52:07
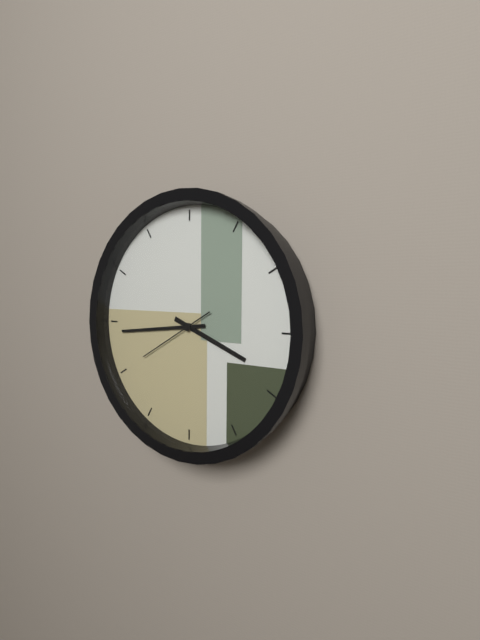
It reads 3:44:40
